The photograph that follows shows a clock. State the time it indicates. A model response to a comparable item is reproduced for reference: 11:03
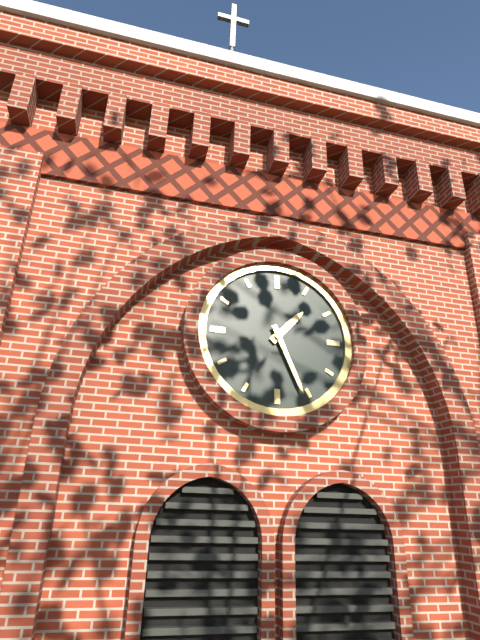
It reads 1:26
